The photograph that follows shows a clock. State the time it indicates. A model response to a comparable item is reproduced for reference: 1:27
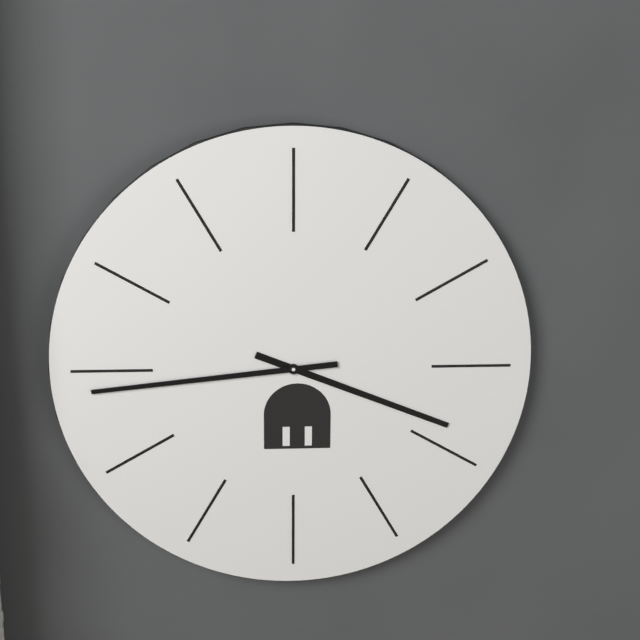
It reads 3:44
